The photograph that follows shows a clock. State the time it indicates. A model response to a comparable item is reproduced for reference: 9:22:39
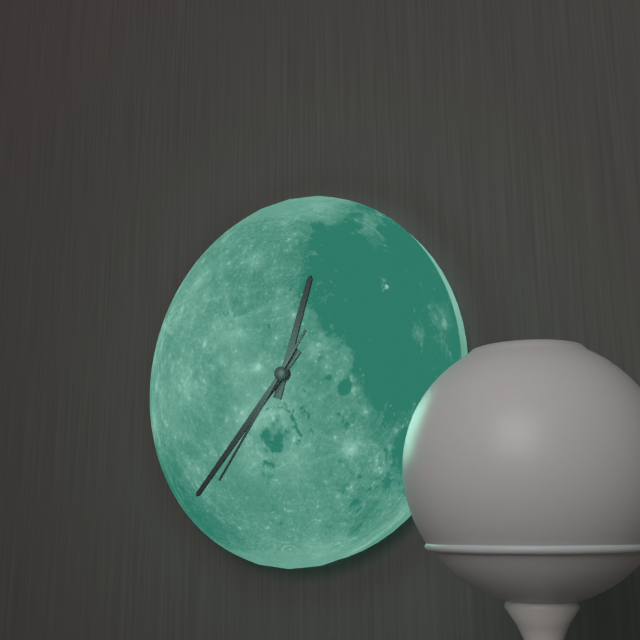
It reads 12:37:36
